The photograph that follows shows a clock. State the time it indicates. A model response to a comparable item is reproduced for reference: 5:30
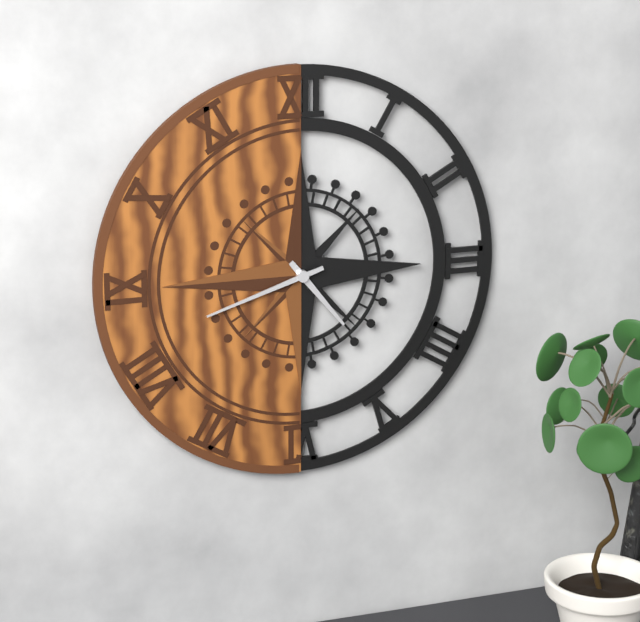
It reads 4:42
